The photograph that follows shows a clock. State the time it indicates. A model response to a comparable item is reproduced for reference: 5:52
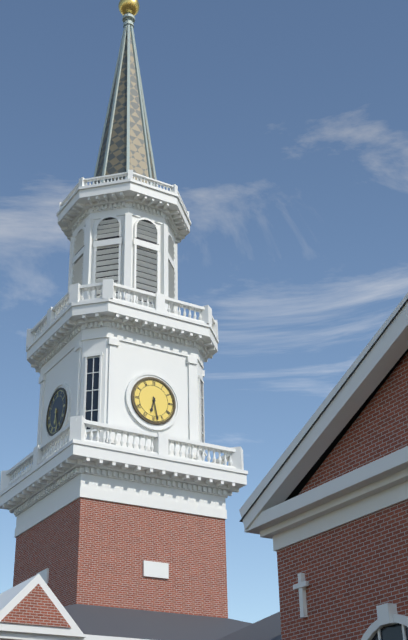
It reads 6:28
